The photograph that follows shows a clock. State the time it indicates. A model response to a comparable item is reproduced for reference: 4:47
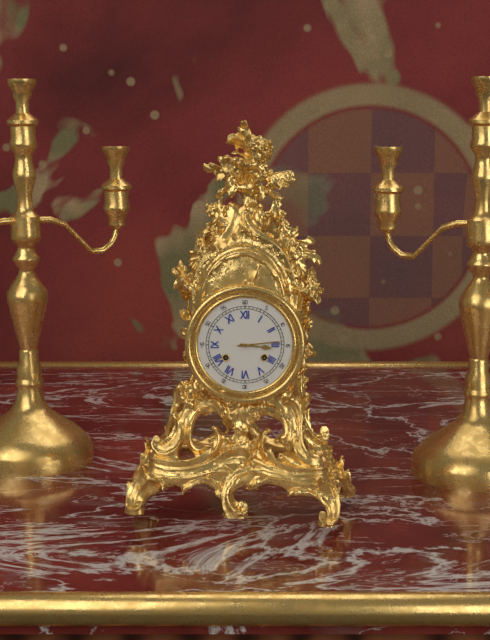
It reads 3:14
